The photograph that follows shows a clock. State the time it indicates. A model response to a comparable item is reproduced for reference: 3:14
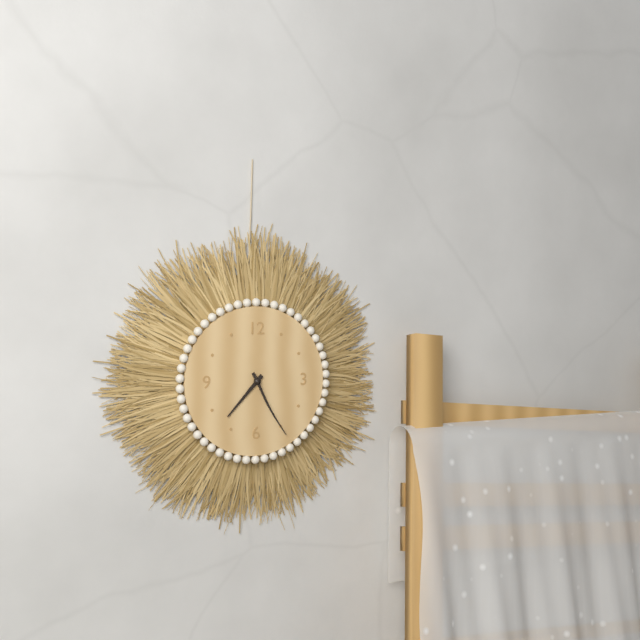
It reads 7:25
